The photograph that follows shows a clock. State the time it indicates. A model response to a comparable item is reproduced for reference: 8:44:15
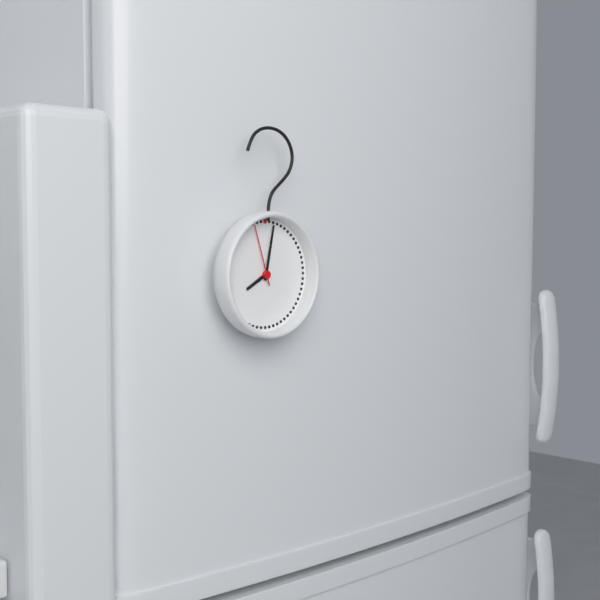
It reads 8:02:57
